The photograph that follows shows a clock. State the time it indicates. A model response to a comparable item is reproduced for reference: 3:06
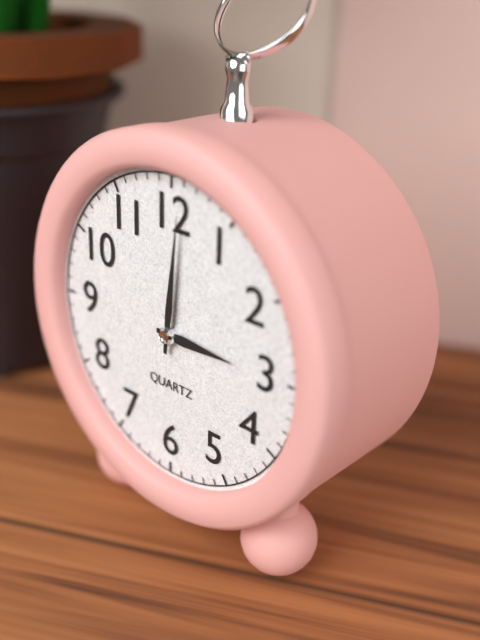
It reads 3:01
